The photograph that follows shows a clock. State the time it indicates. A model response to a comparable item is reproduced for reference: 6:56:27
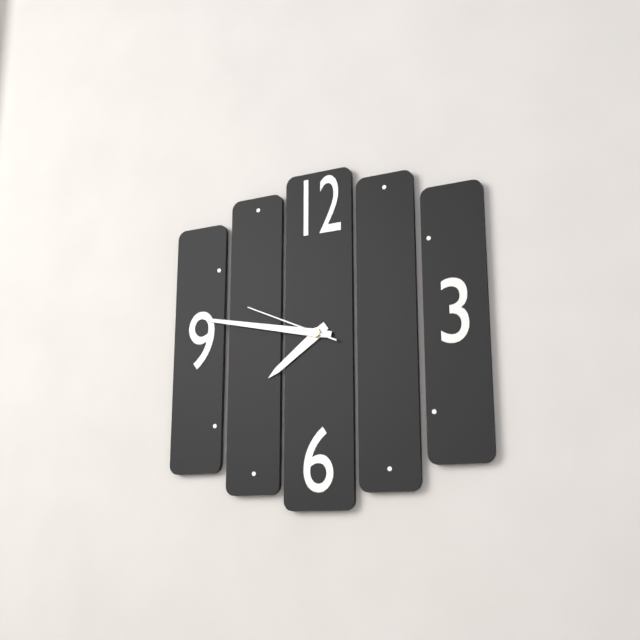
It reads 7:47:49
